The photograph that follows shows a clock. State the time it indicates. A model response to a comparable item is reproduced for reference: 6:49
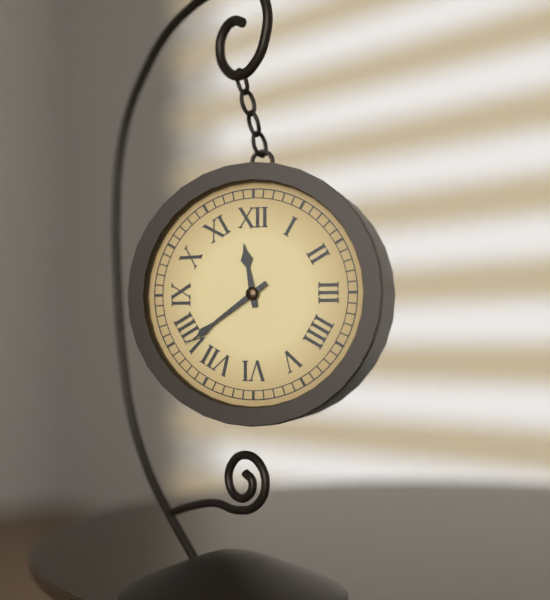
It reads 11:39
